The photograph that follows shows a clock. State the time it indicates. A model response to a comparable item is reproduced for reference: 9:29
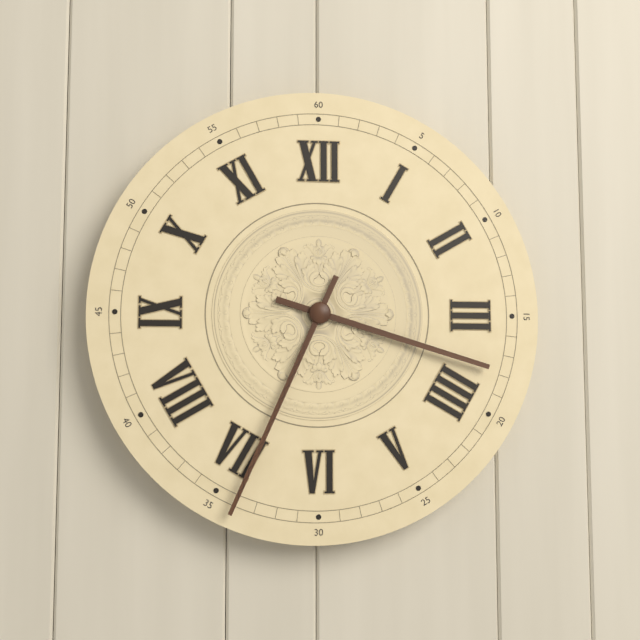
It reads 3:34
